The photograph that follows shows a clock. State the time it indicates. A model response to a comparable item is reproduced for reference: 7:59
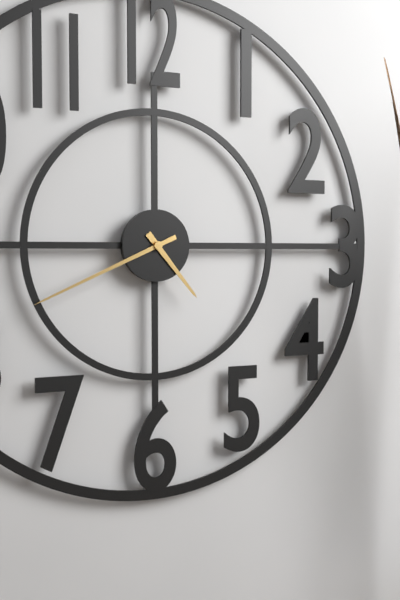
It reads 4:41
